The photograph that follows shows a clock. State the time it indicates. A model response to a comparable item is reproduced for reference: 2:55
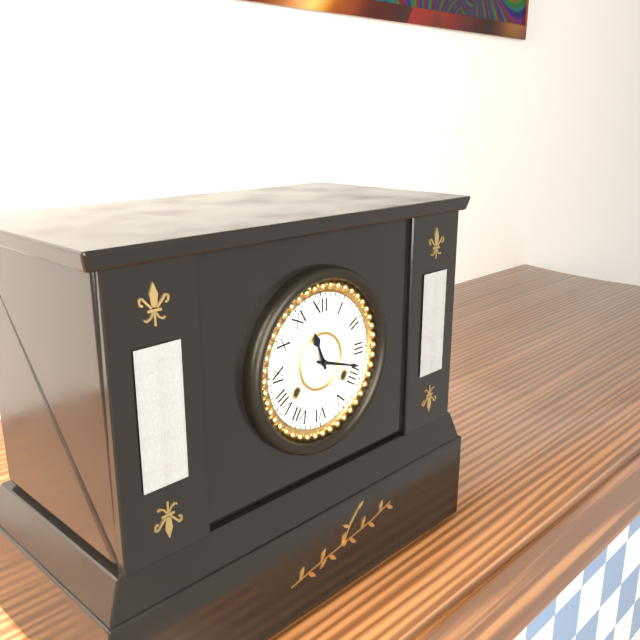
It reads 11:18
